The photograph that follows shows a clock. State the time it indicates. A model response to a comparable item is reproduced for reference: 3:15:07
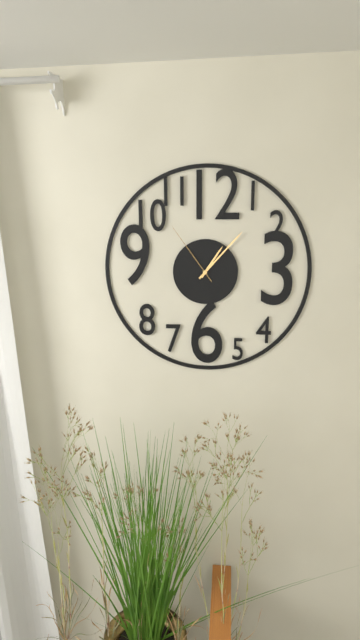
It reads 1:07:54
